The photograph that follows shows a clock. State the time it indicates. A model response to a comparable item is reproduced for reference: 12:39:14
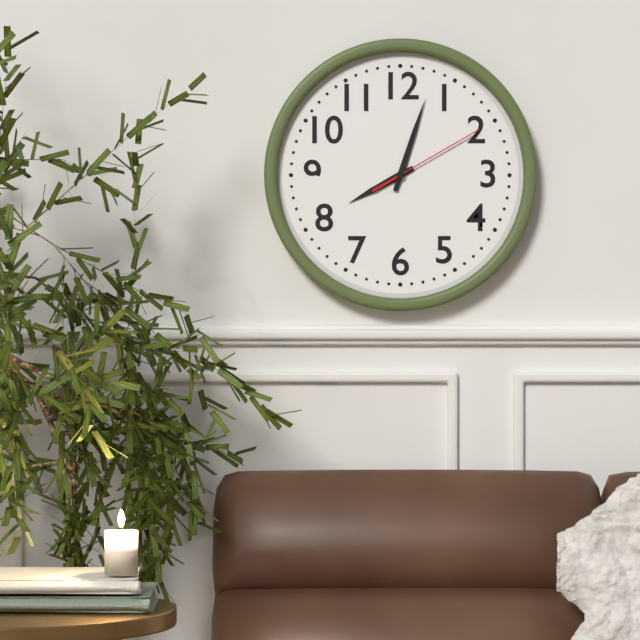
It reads 8:03:10
